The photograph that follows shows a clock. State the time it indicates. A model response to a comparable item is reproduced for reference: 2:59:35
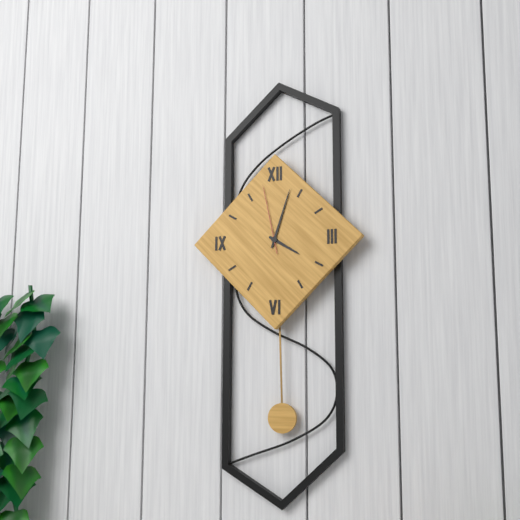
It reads 4:03:58
